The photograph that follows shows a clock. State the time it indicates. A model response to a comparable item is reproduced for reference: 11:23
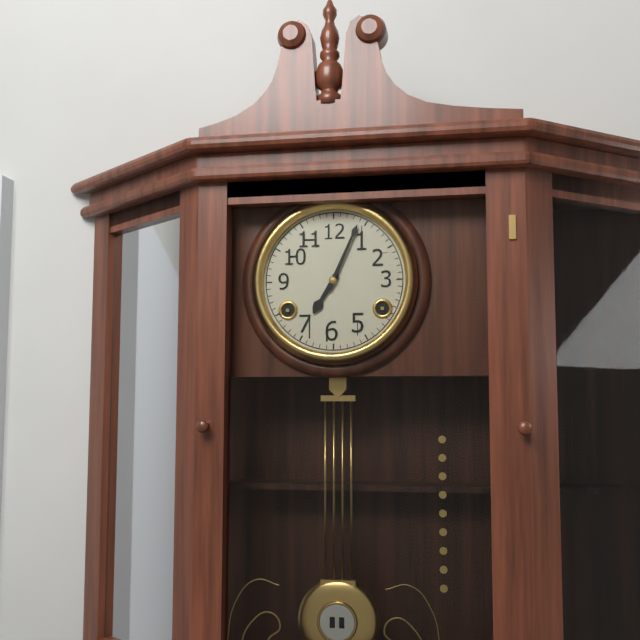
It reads 7:04
